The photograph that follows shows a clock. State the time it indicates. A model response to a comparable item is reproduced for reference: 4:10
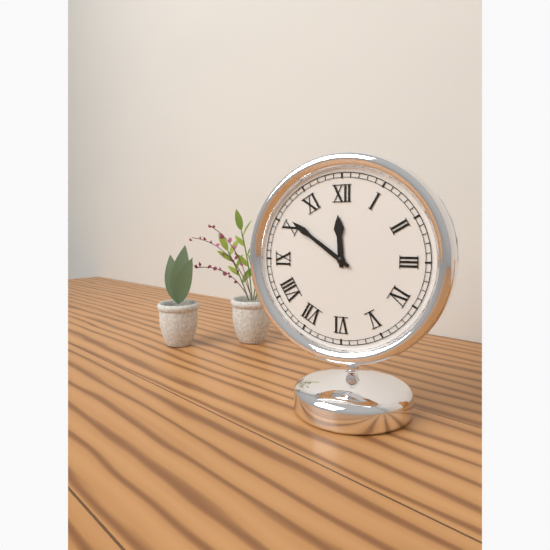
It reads 11:51
